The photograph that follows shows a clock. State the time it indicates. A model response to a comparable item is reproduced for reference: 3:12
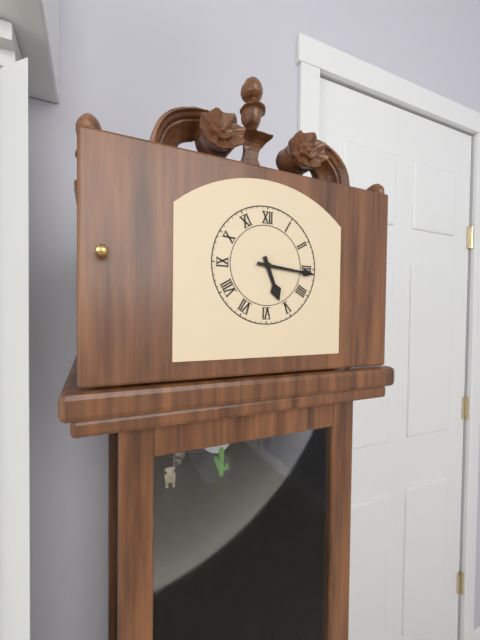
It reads 5:16
